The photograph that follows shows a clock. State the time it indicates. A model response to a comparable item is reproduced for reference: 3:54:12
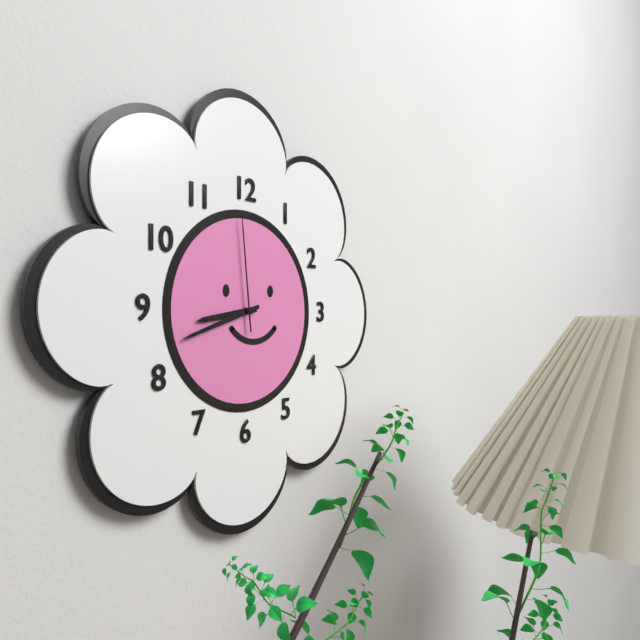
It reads 8:42:59
